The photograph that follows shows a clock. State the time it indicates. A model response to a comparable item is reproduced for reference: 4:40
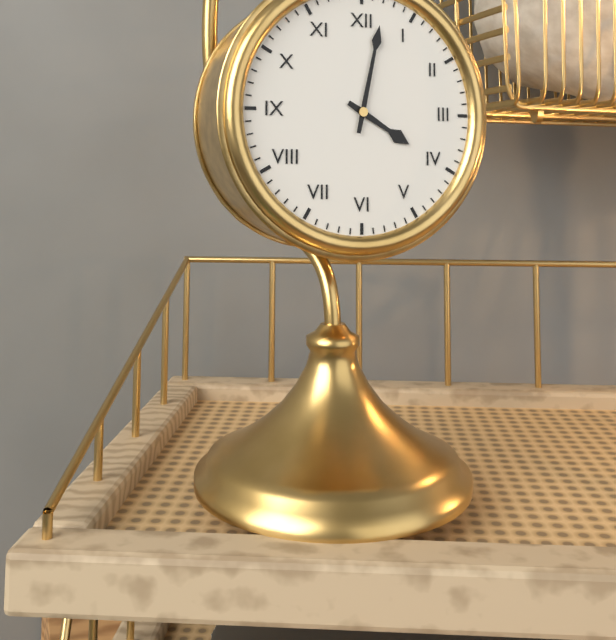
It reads 4:02
